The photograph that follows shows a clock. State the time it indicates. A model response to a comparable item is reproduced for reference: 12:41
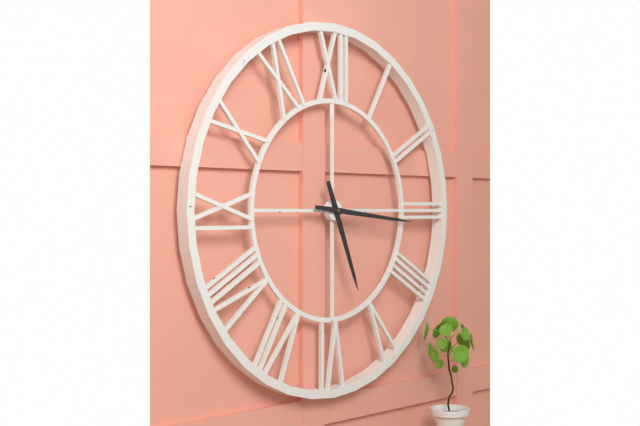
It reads 5:16
